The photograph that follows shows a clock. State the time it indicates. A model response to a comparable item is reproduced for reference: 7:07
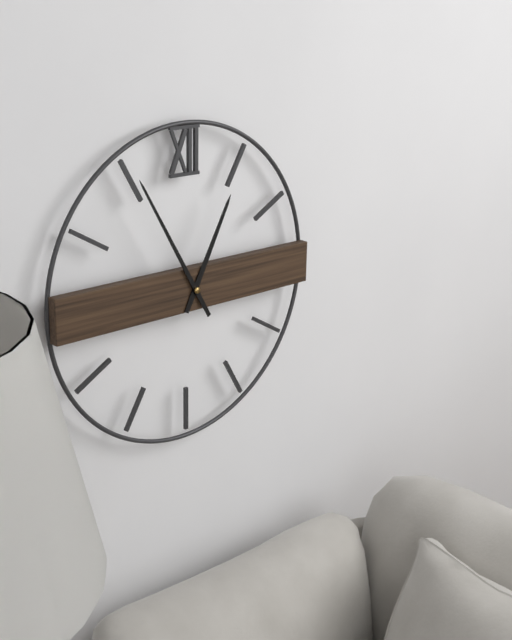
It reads 12:55
